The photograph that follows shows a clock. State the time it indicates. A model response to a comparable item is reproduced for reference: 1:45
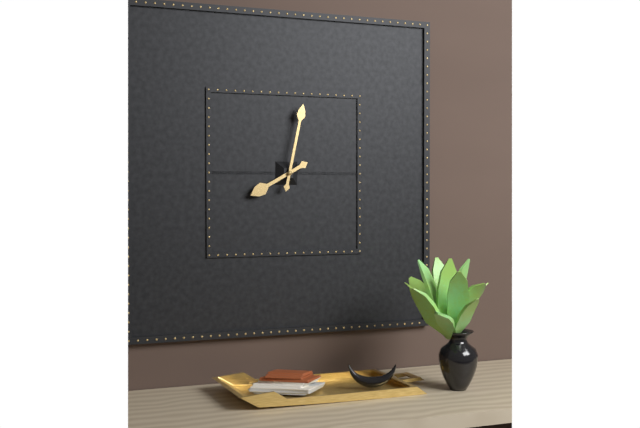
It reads 8:02
